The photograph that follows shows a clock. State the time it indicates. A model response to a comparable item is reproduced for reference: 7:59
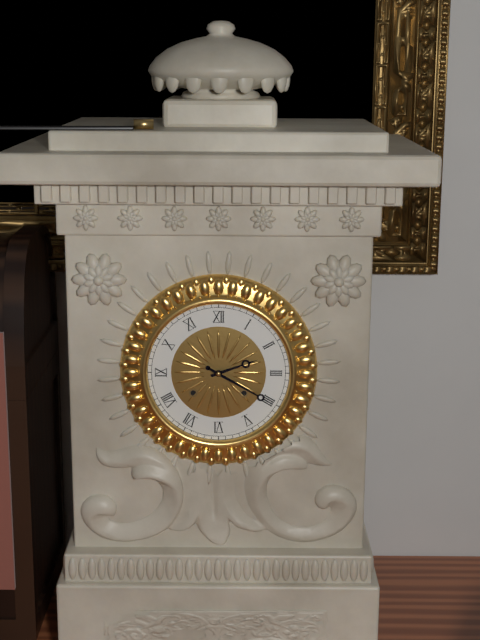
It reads 2:20
